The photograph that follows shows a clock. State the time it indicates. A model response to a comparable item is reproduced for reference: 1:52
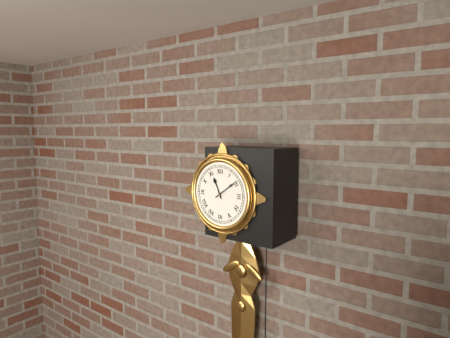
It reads 11:09
